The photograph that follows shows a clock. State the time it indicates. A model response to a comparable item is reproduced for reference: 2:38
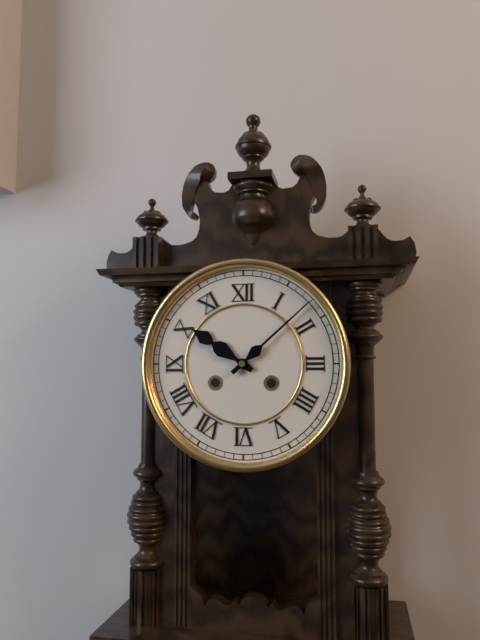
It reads 10:08
